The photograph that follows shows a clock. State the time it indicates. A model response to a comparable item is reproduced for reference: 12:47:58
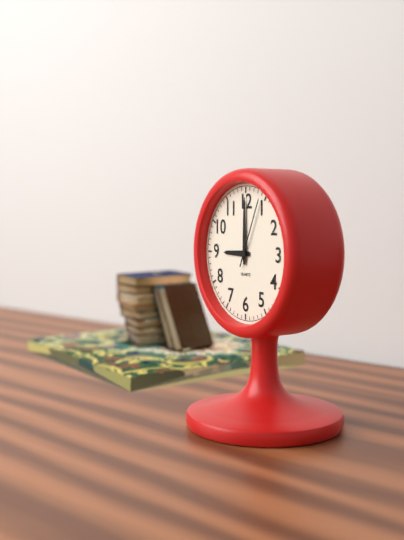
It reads 9:00:04
